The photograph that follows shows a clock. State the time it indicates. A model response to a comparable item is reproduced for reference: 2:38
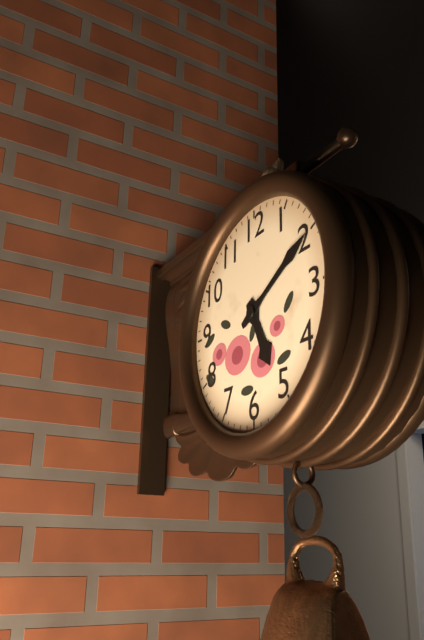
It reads 5:10
